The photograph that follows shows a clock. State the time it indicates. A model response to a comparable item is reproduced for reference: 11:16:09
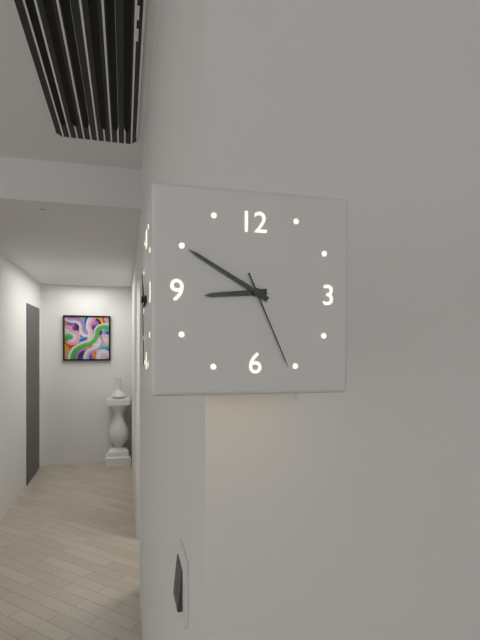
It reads 8:50:26
